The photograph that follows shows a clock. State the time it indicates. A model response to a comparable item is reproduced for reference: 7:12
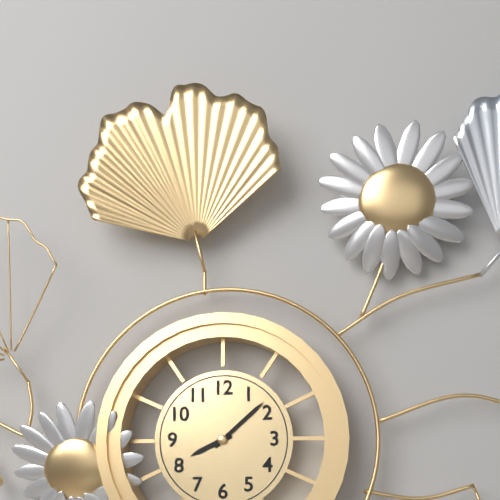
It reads 8:08
